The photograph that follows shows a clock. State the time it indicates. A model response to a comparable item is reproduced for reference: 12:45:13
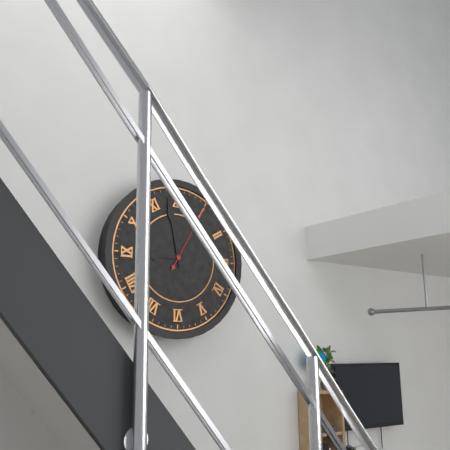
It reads 8:58:05
